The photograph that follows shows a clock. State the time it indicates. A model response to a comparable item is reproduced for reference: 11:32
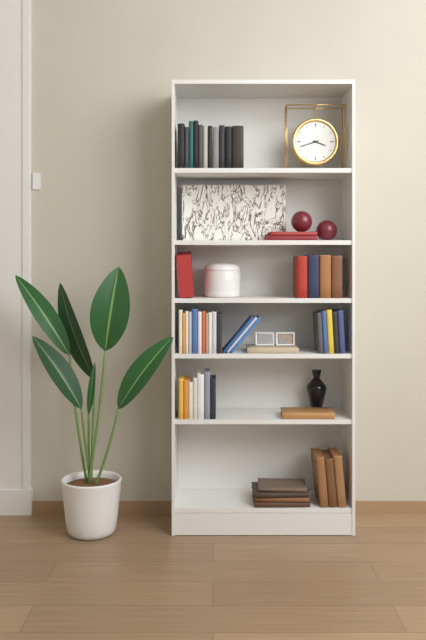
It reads 3:42
